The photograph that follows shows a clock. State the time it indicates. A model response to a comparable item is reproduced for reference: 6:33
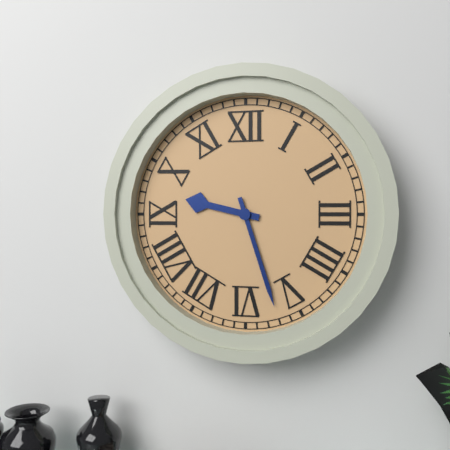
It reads 9:27
